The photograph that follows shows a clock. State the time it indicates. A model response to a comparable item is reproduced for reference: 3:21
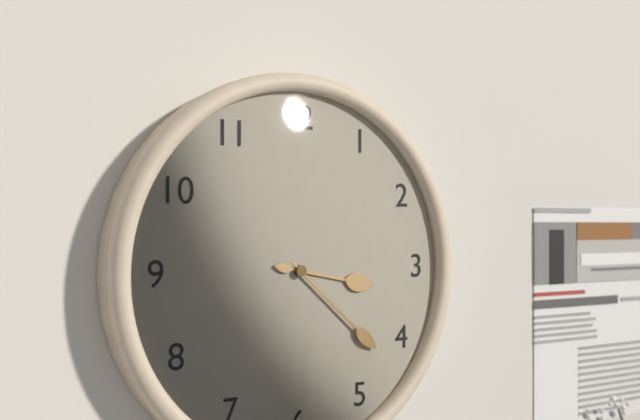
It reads 3:22
